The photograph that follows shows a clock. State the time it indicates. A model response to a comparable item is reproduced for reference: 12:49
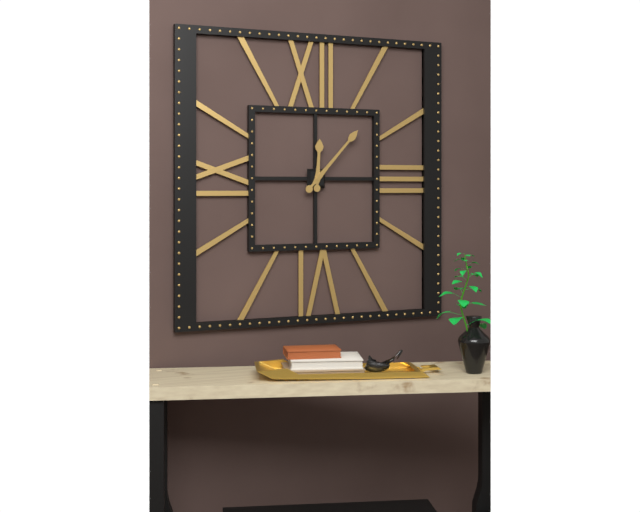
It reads 12:07
